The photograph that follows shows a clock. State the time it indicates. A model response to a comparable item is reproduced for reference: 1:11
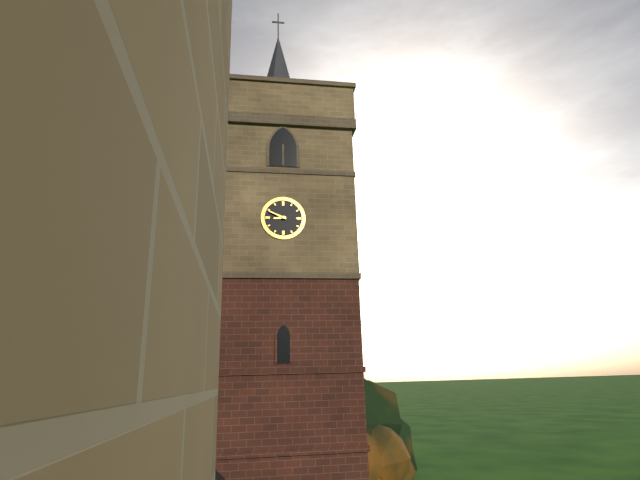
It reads 8:49
